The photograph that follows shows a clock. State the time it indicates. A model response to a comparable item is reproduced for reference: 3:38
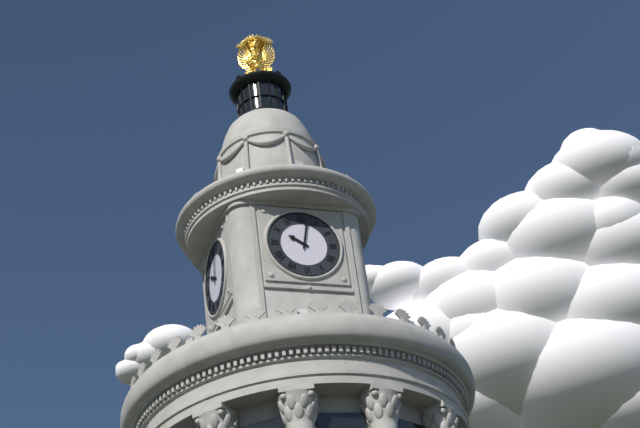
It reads 10:02
